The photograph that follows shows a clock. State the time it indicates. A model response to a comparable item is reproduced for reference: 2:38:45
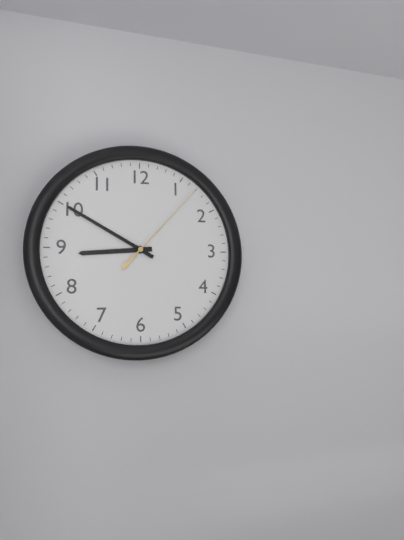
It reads 8:50:07
